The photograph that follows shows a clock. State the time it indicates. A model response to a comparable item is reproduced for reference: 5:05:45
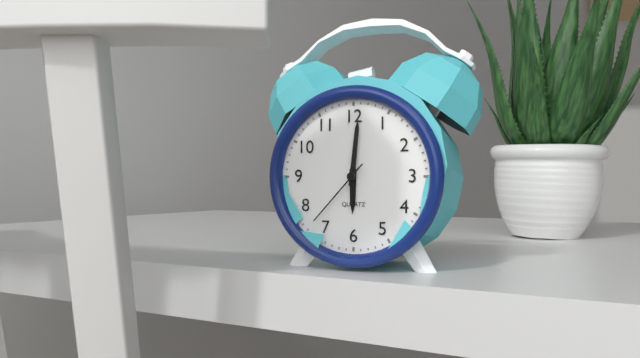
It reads 6:01:37
